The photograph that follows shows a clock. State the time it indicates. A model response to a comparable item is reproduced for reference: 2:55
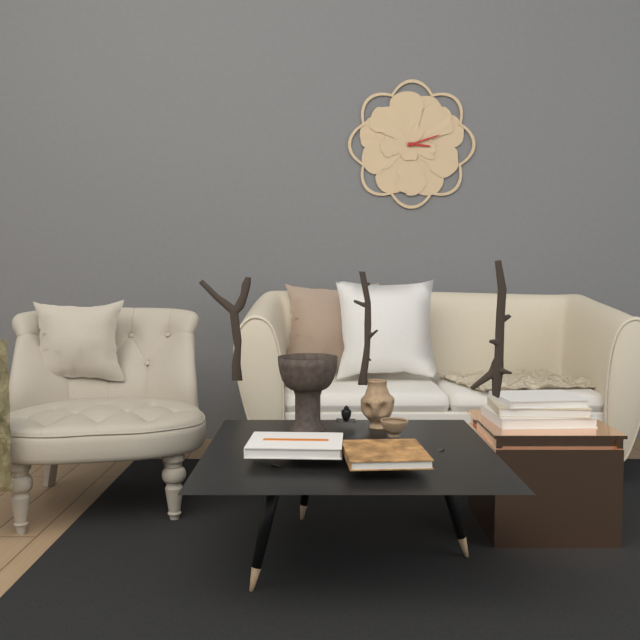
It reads 3:12
